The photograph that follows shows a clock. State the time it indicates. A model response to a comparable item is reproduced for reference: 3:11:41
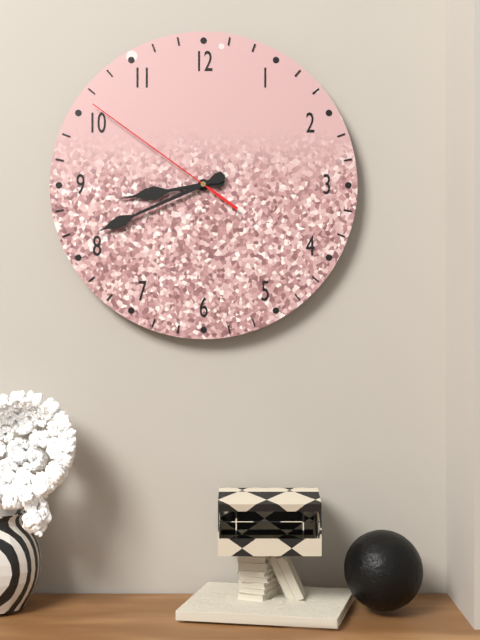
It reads 8:41:51
